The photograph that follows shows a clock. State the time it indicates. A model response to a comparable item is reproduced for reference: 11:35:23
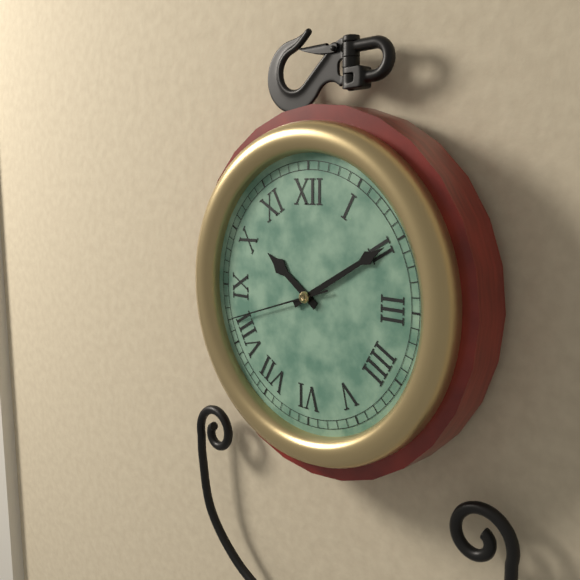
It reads 10:10:42
